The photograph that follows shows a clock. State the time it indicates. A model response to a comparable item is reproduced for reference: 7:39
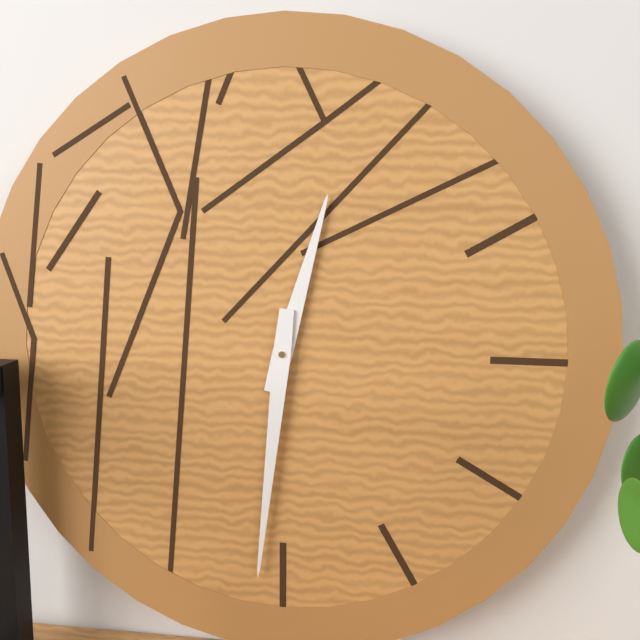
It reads 12:31
